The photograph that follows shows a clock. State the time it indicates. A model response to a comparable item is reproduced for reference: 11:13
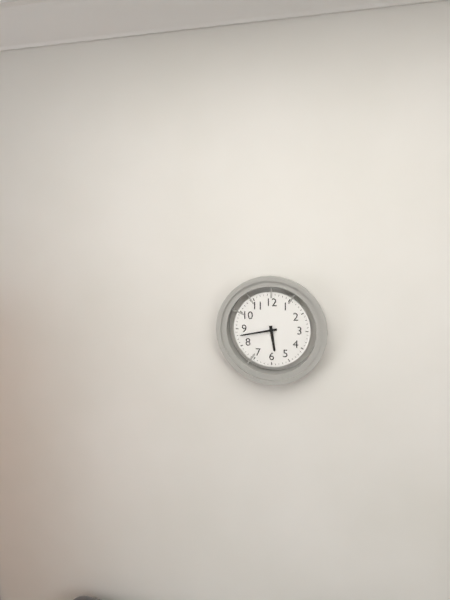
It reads 5:43
